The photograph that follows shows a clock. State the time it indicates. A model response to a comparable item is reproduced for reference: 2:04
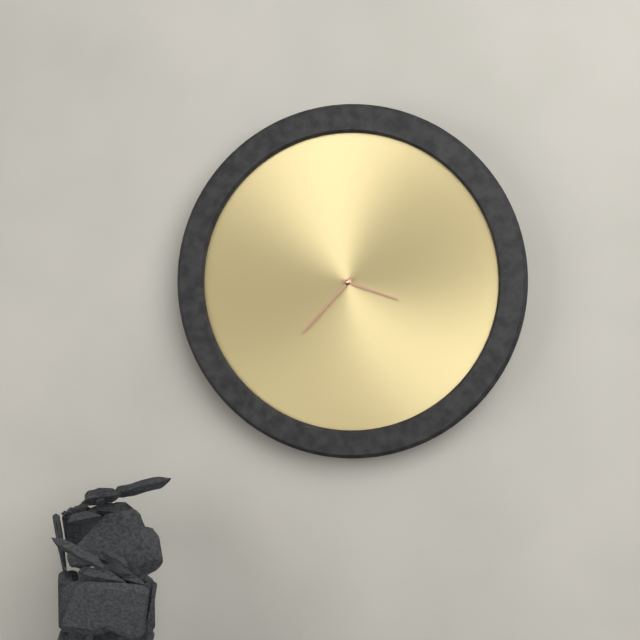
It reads 3:37
